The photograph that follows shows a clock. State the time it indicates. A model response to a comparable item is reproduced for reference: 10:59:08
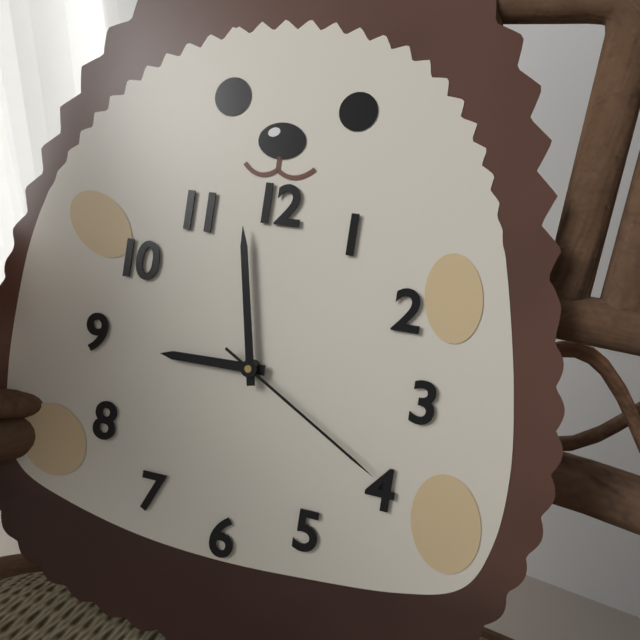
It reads 8:58:20
